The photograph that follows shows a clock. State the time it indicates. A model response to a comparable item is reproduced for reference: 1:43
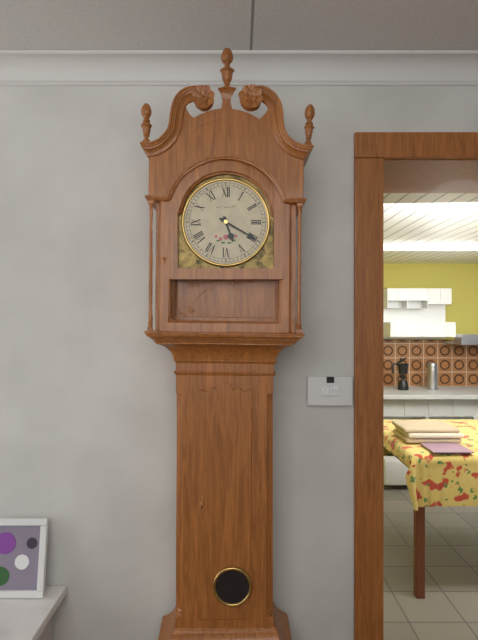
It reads 5:20
